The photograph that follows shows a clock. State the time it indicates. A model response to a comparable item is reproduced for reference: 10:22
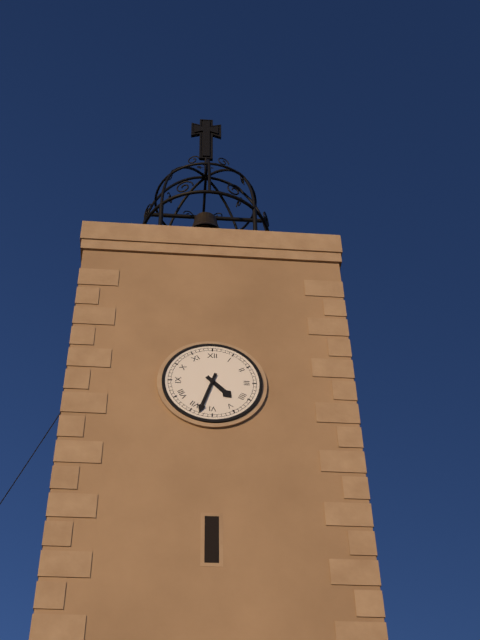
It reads 4:33
